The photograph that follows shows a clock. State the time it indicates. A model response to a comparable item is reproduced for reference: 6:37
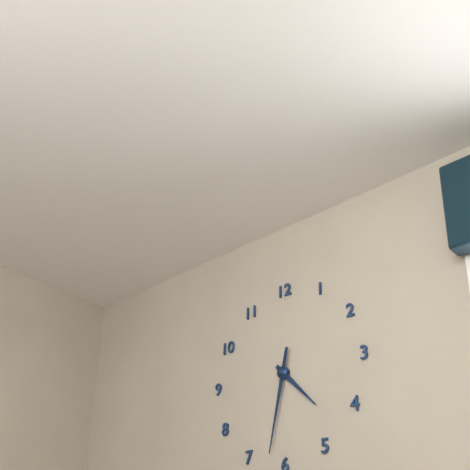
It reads 4:32
